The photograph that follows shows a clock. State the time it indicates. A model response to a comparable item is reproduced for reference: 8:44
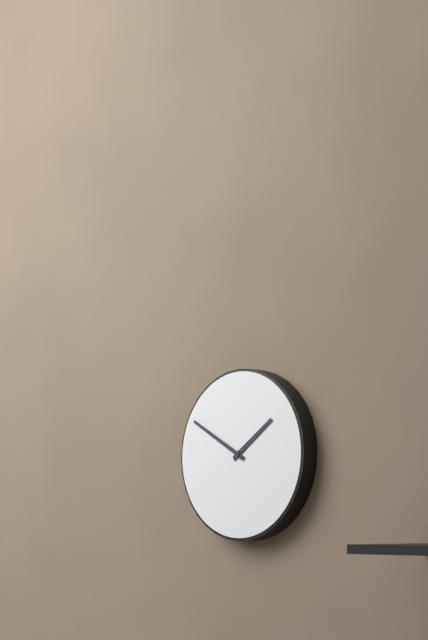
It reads 1:50
